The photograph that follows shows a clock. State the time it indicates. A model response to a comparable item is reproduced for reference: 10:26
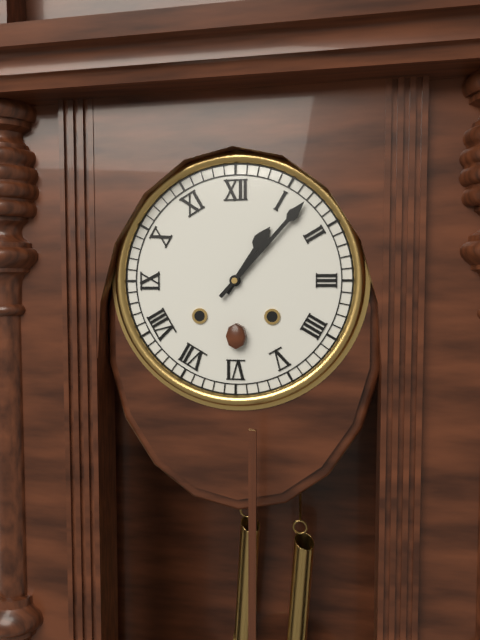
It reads 1:07
